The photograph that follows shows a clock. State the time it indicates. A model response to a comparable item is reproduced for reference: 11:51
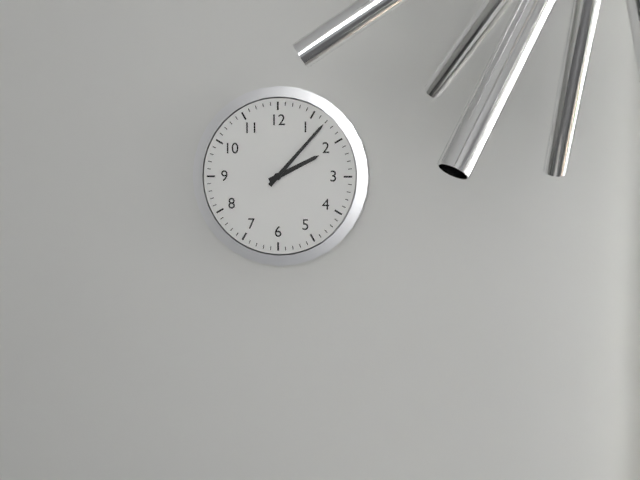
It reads 2:07
